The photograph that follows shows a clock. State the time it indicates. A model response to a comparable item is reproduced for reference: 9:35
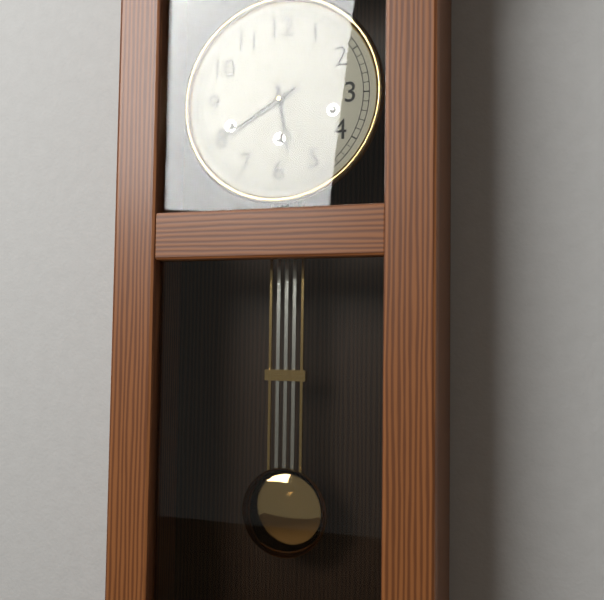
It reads 5:40
